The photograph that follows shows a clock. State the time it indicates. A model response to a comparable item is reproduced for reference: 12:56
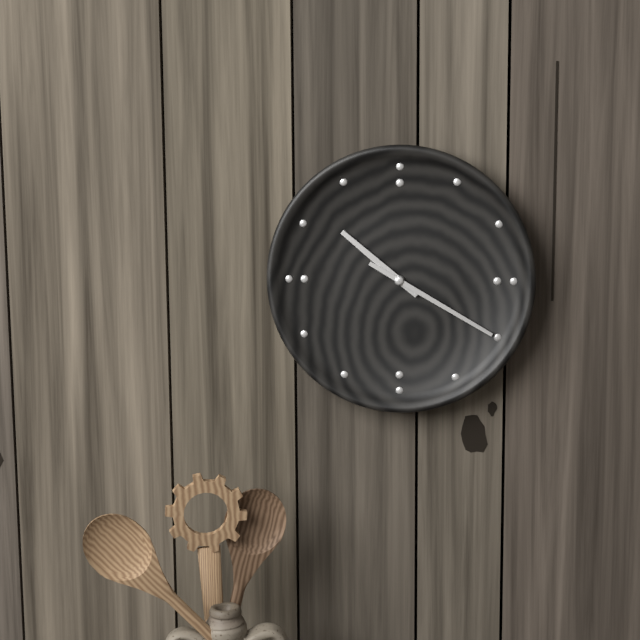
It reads 10:20
